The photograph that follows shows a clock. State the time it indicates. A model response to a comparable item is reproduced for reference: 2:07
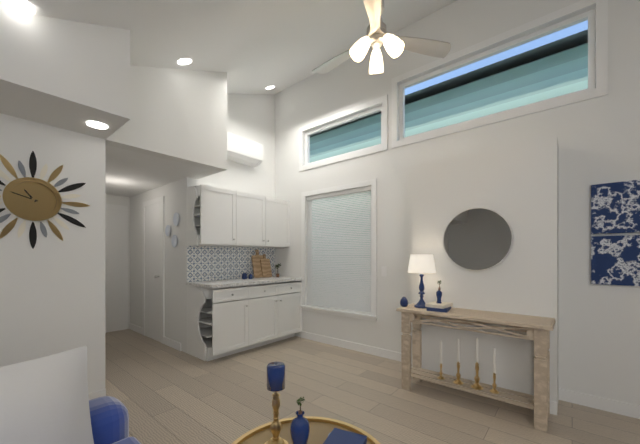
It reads 10:48
